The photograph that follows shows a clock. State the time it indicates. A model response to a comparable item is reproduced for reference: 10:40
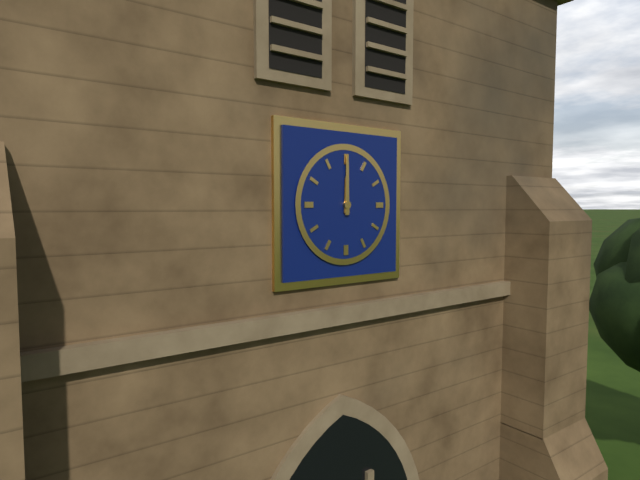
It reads 12:00
